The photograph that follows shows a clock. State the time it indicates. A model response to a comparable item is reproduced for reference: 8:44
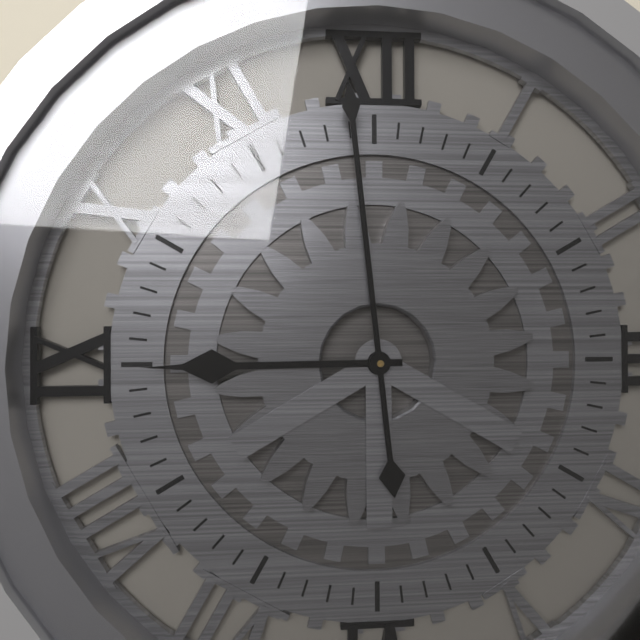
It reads 8:59
